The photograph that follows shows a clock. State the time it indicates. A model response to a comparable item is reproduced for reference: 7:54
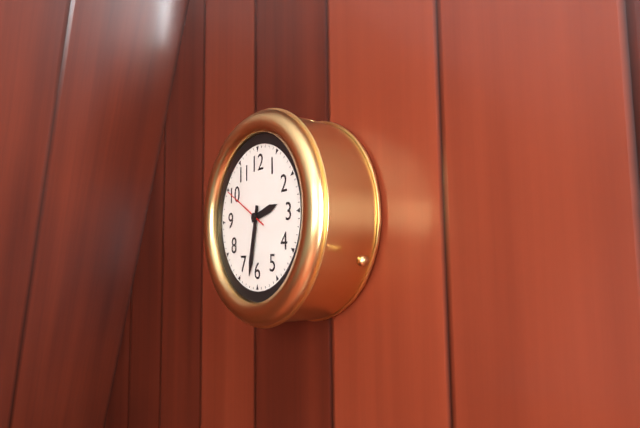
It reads 2:32
